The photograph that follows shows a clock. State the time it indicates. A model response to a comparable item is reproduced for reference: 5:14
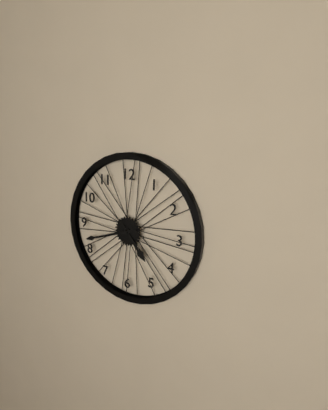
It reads 4:42
